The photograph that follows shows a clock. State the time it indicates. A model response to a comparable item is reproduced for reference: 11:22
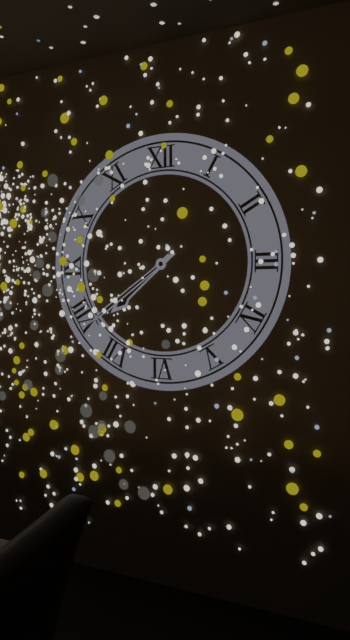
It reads 7:39
